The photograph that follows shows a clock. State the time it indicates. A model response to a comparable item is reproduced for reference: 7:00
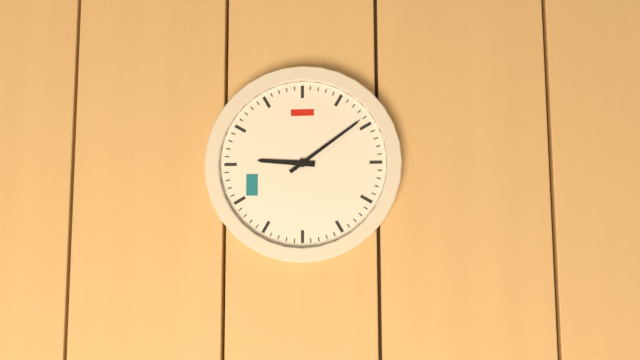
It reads 9:09
